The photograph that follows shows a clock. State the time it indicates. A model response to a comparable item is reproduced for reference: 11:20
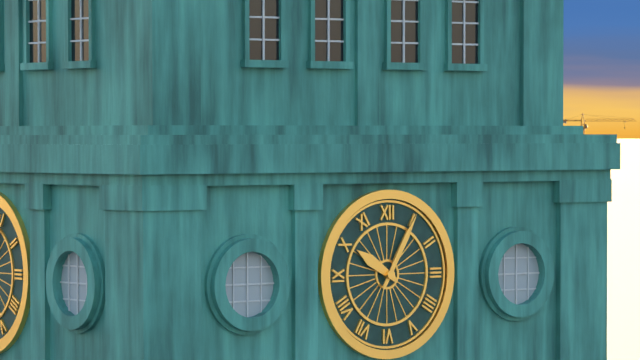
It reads 10:05
